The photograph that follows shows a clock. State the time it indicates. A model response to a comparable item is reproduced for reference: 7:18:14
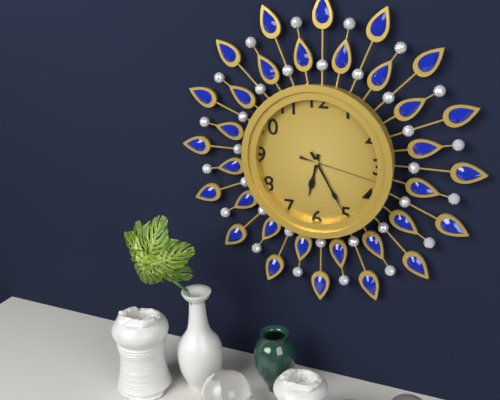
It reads 6:25:17
